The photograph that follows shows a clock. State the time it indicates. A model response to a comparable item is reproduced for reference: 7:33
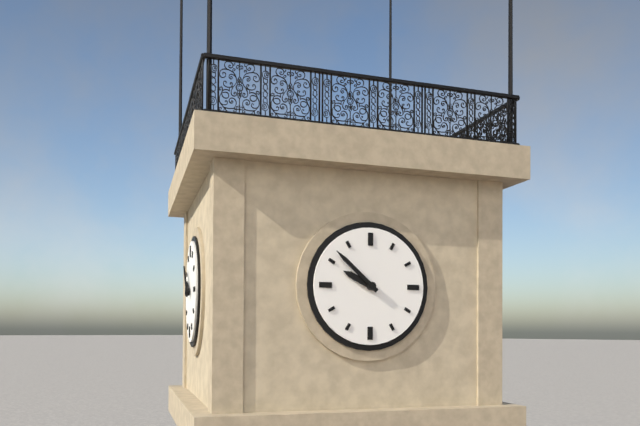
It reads 9:52
